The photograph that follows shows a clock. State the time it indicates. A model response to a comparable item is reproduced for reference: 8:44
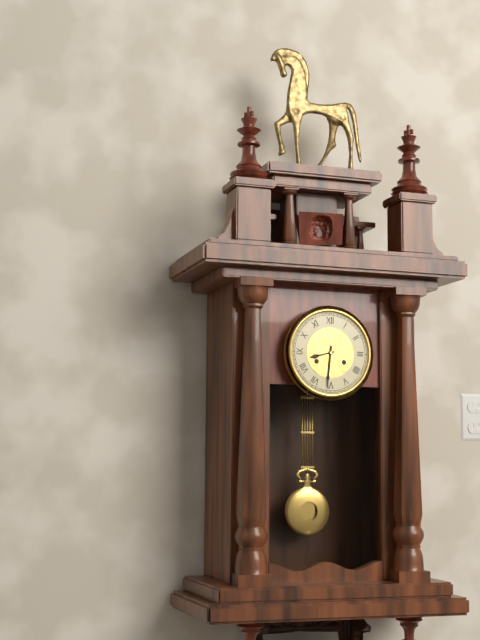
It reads 8:31
